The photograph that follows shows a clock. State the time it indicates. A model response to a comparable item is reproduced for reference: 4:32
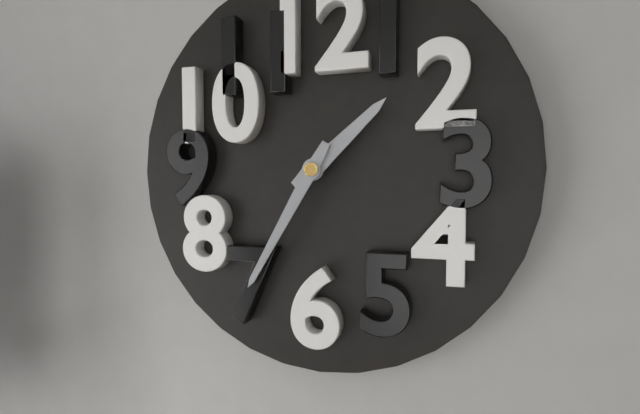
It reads 1:35
